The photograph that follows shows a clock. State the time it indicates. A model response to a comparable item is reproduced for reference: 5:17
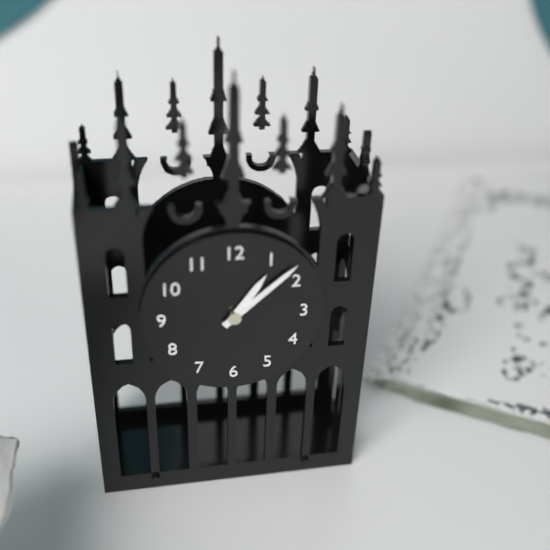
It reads 1:08
